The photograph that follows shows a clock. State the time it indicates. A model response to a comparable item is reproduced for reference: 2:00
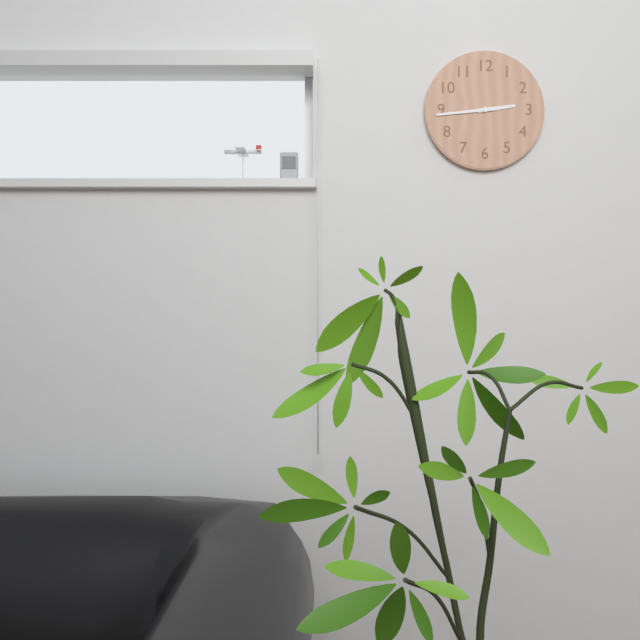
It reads 2:44
